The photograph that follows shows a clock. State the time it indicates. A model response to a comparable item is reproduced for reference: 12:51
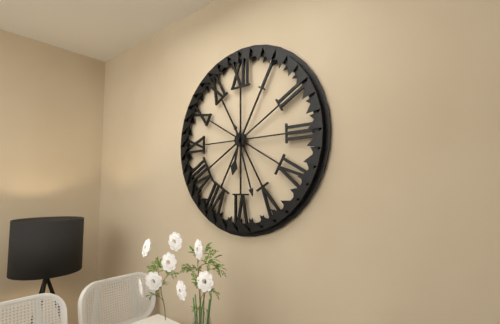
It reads 6:27
